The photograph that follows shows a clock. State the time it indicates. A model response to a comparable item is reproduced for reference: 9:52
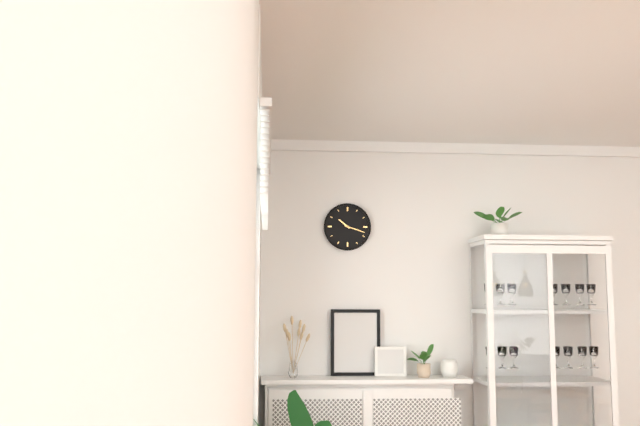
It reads 10:18
